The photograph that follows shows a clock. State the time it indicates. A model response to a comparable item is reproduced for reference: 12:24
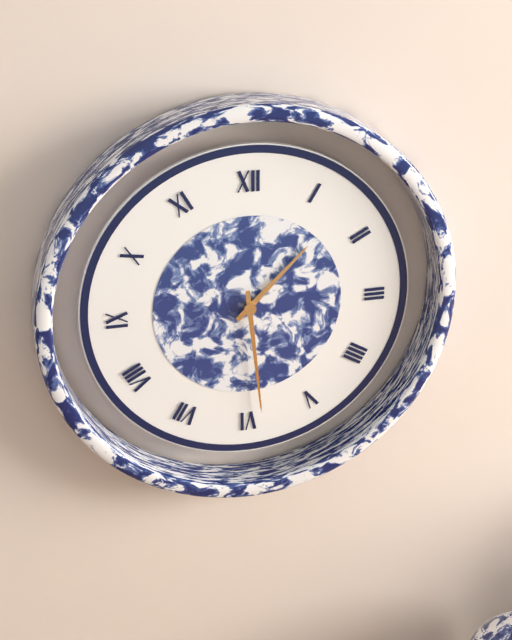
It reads 1:29
